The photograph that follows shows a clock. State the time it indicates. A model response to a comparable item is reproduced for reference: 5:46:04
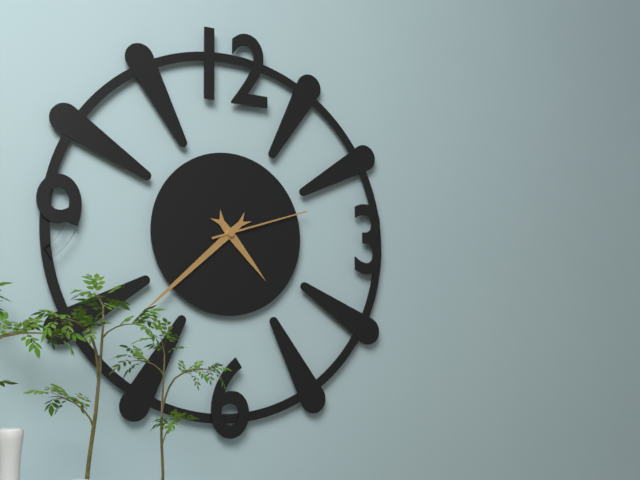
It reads 4:38:12
